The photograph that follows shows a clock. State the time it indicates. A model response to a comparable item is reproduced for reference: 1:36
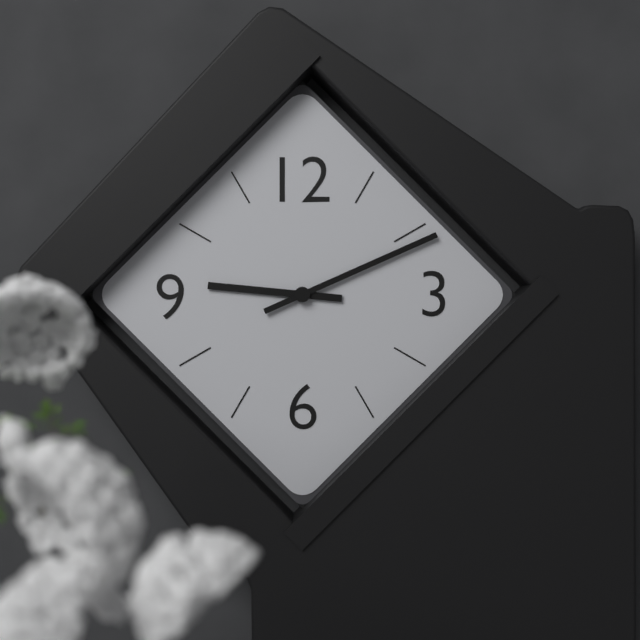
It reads 9:11
